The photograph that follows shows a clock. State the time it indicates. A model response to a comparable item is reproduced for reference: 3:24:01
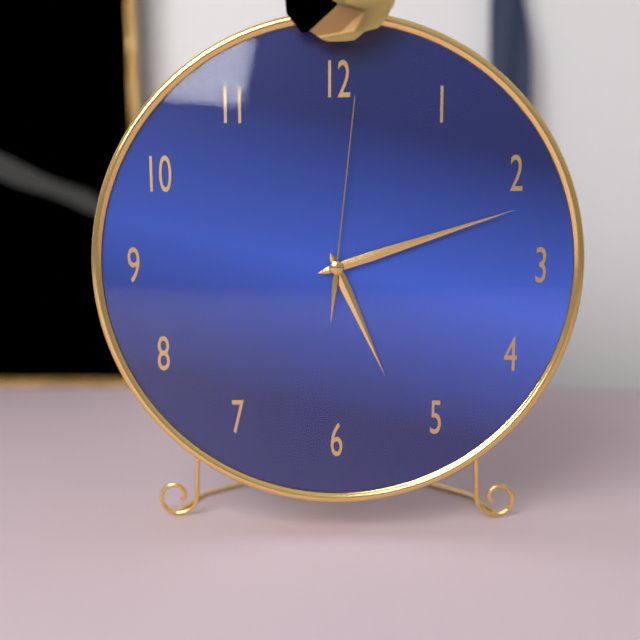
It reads 5:12:01
